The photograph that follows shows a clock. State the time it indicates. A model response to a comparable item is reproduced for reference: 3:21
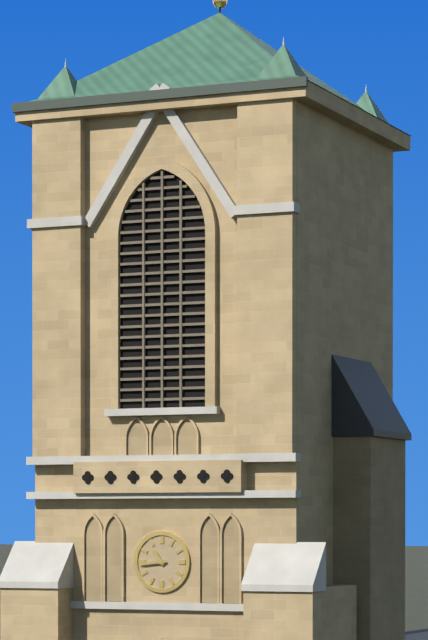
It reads 10:44
